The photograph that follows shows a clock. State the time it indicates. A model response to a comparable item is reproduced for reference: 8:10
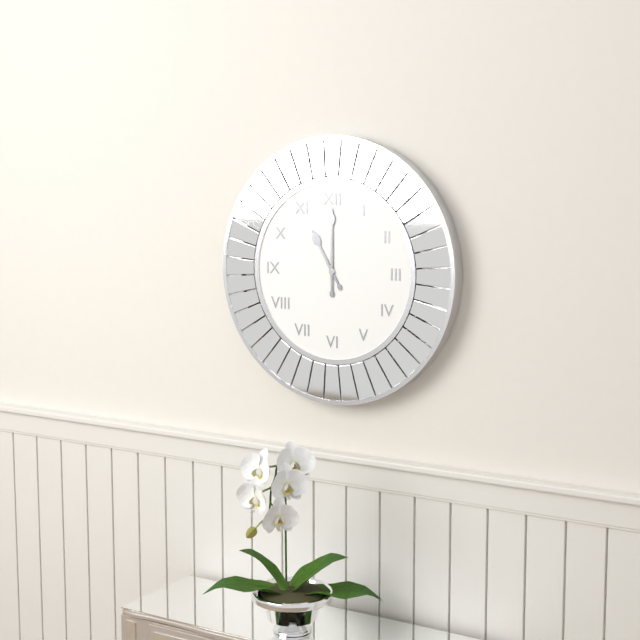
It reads 11:00
